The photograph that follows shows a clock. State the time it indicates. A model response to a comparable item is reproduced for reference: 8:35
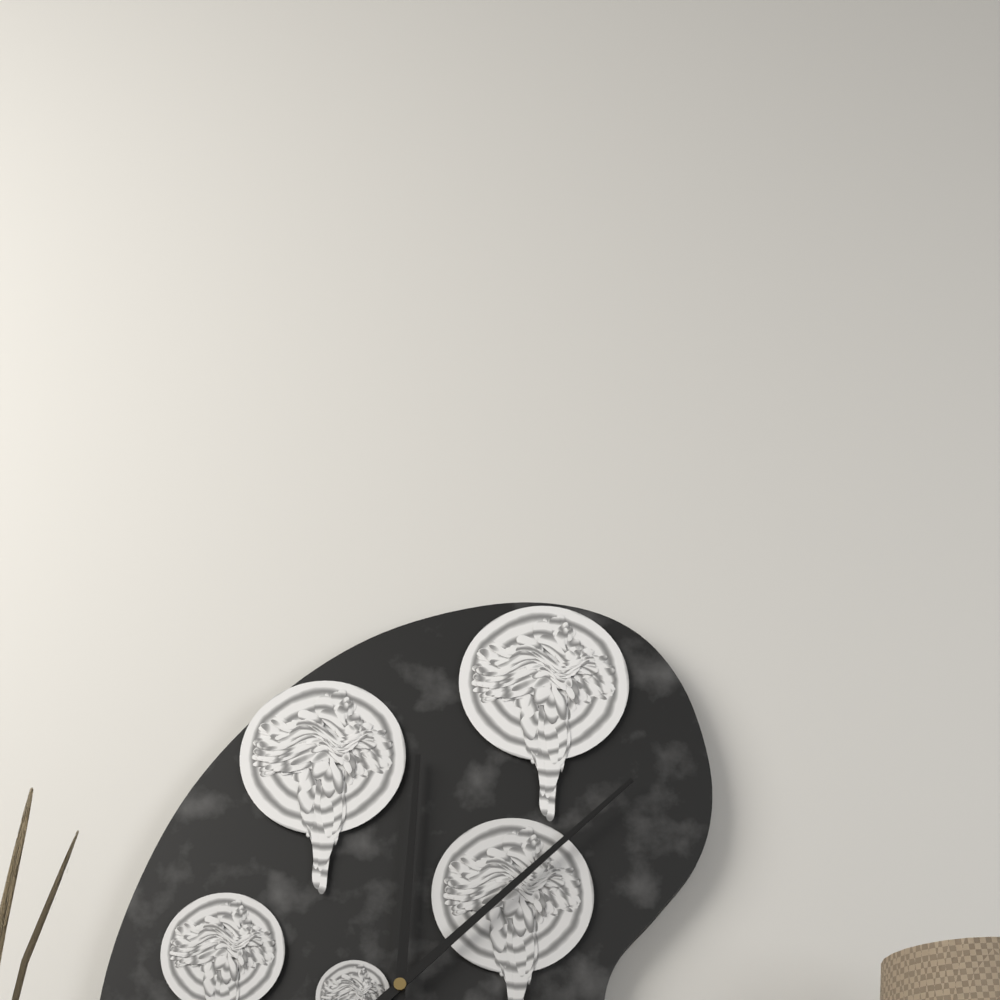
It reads 12:08
